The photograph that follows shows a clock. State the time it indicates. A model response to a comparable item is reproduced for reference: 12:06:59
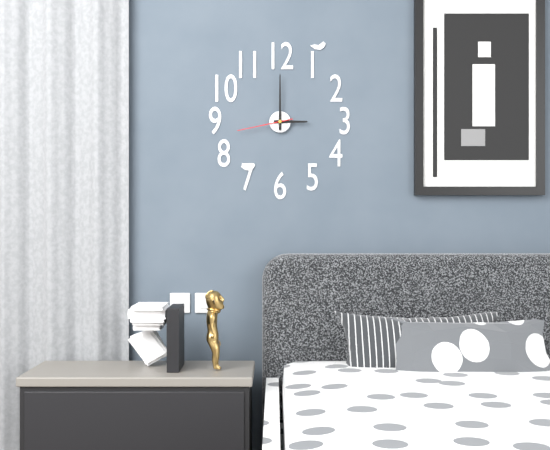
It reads 3:00:43
